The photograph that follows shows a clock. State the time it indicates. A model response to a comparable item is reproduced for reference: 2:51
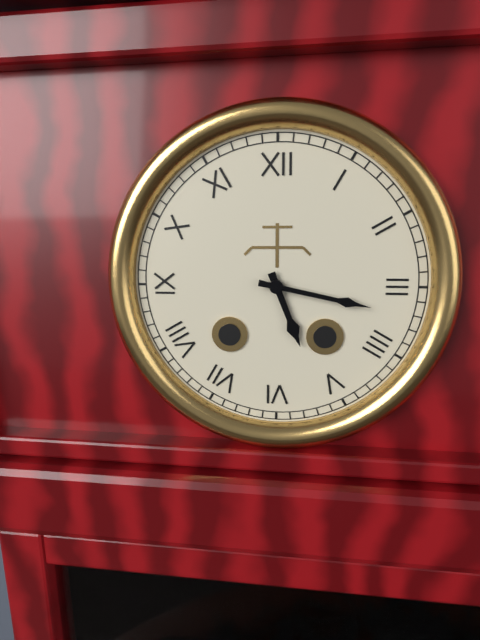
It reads 5:17
